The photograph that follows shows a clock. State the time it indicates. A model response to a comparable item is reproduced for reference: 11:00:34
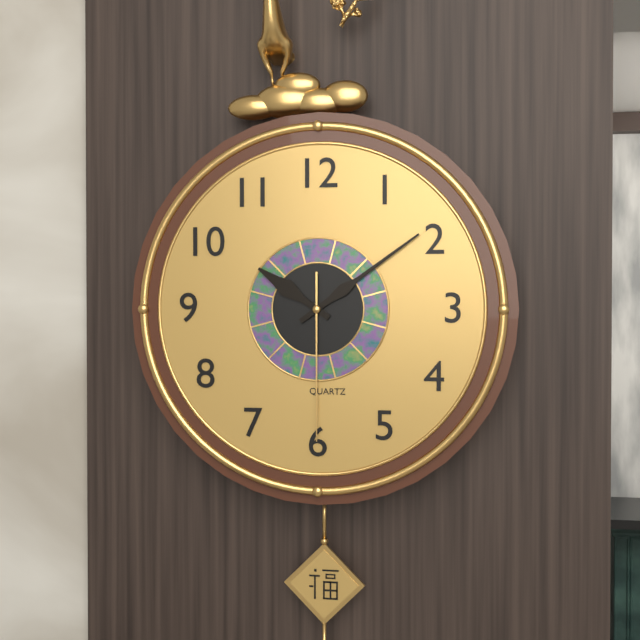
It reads 10:09:30
